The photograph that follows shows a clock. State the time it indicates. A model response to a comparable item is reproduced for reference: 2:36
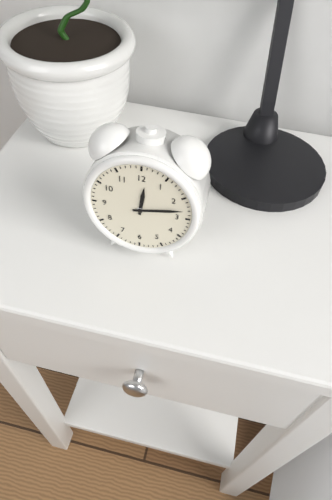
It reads 12:13
